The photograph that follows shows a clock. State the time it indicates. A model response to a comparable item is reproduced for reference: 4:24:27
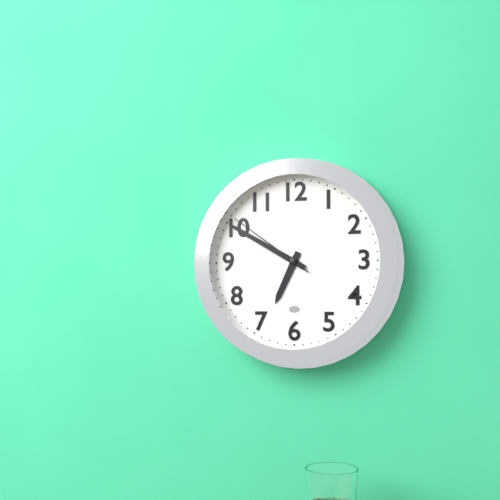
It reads 6:50:51
